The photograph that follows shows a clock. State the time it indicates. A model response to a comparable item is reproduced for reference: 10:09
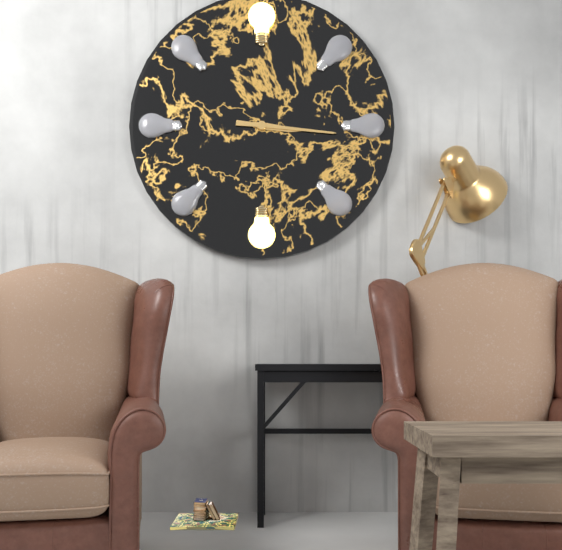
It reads 3:16
